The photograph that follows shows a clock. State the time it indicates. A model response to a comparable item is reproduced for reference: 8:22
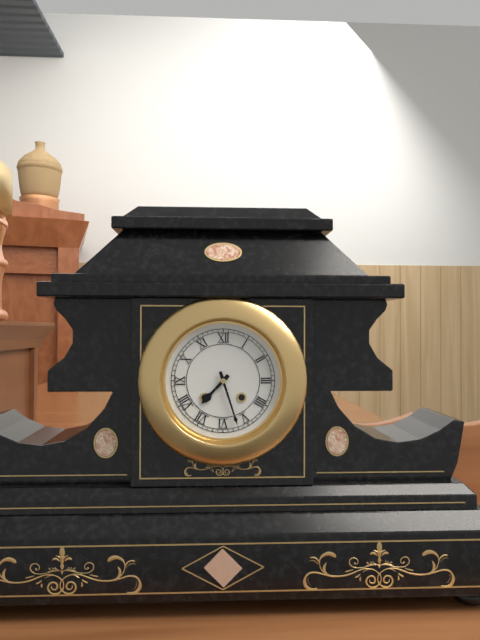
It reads 7:27
